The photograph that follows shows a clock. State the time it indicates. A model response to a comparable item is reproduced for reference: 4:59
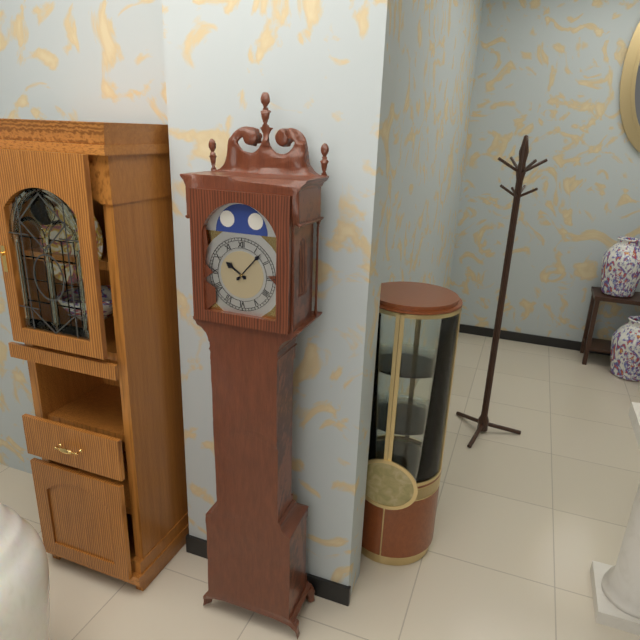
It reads 10:07
